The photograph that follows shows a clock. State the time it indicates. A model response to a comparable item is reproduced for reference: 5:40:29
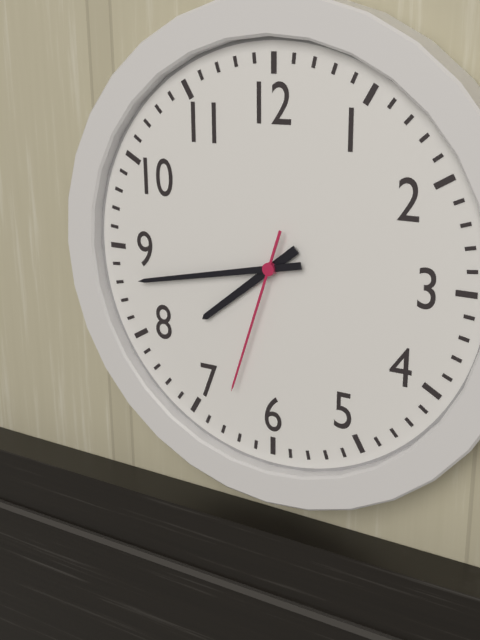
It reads 7:43:33
